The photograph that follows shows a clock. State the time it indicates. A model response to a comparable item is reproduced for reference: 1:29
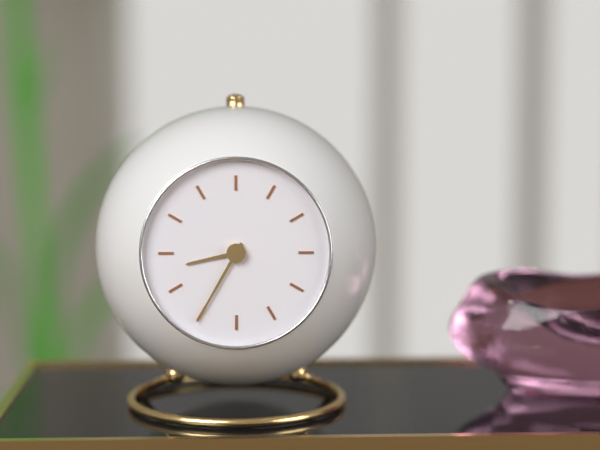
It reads 8:35
